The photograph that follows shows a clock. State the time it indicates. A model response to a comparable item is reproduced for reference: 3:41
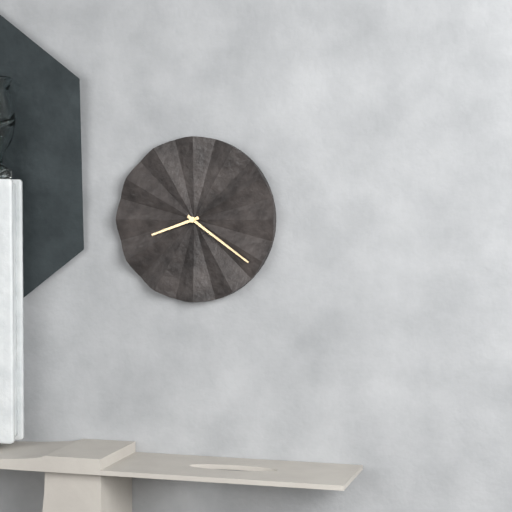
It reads 8:21
